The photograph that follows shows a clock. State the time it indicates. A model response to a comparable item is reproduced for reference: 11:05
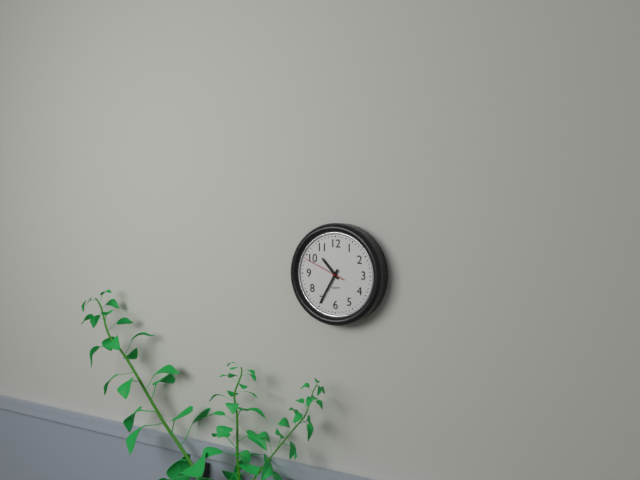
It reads 10:35
